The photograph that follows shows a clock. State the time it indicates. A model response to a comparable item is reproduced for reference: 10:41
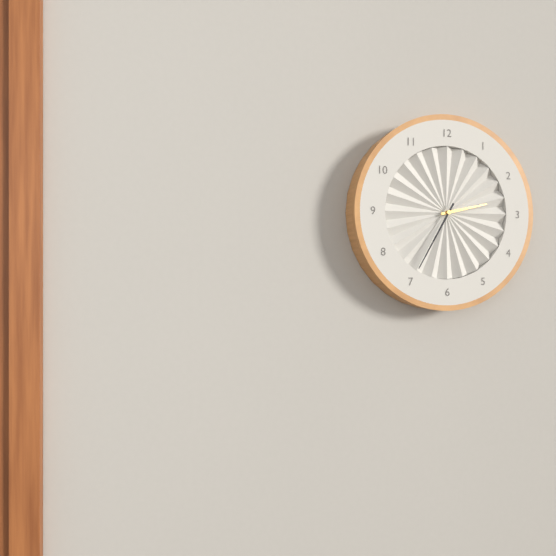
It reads 2:35
